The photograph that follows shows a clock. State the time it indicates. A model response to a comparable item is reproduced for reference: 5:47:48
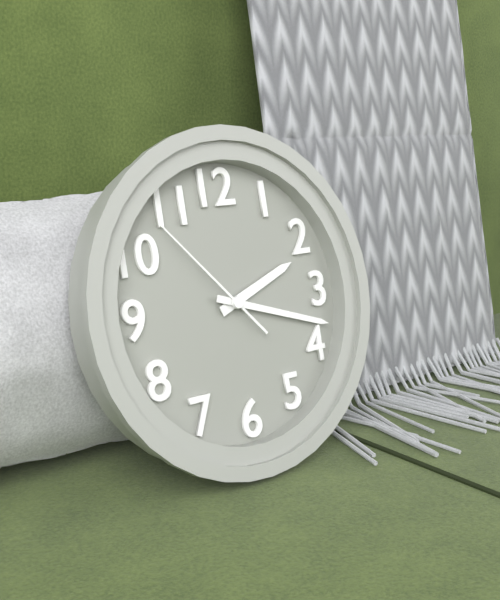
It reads 2:18:53
